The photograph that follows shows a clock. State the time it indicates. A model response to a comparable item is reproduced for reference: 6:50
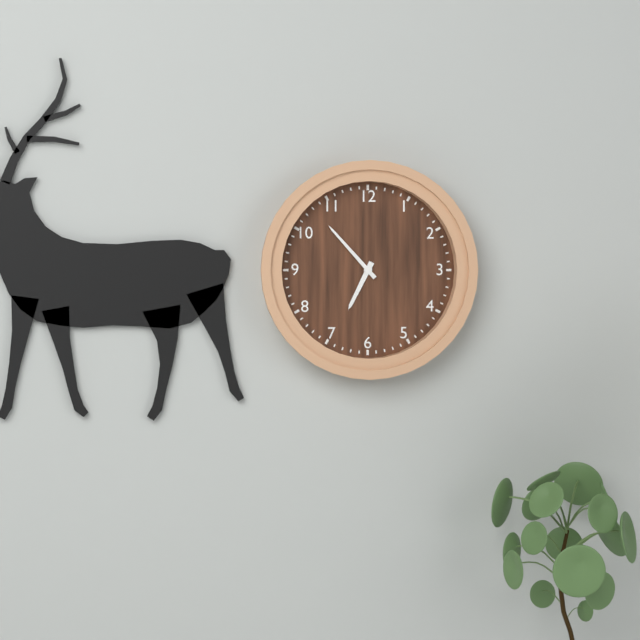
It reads 6:53
